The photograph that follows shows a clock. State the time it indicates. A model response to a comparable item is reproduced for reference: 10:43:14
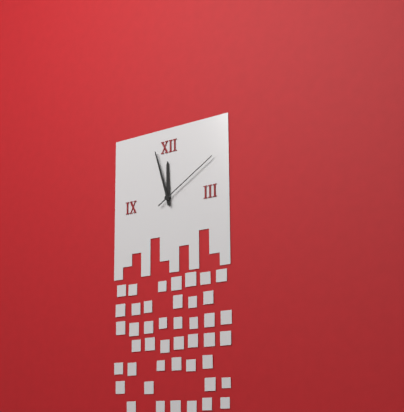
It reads 11:57:10
